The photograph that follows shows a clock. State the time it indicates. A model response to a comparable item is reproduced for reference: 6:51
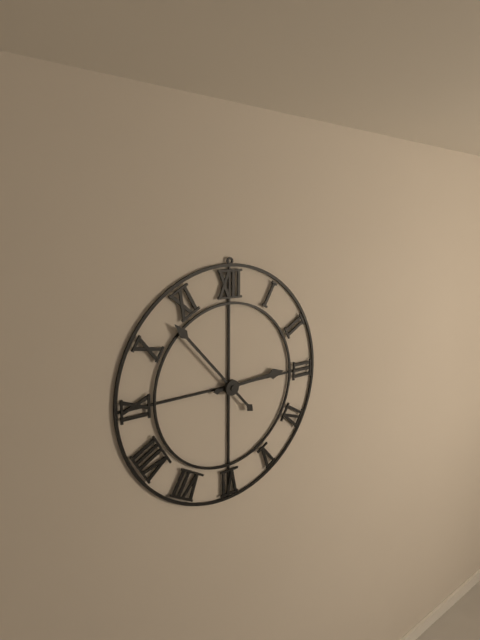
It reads 2:53
